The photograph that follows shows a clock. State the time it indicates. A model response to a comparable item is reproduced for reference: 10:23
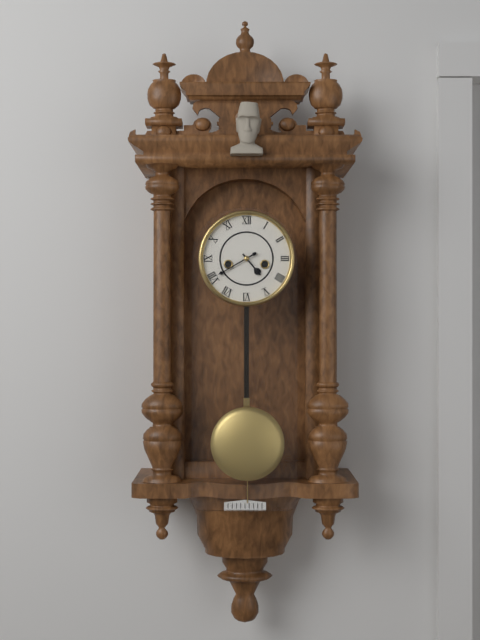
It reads 4:40
